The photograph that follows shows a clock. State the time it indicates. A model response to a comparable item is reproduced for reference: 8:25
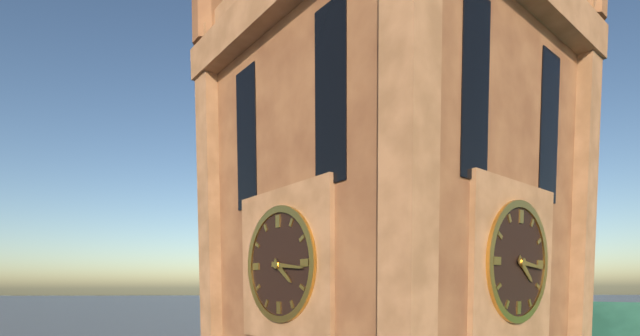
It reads 4:16
